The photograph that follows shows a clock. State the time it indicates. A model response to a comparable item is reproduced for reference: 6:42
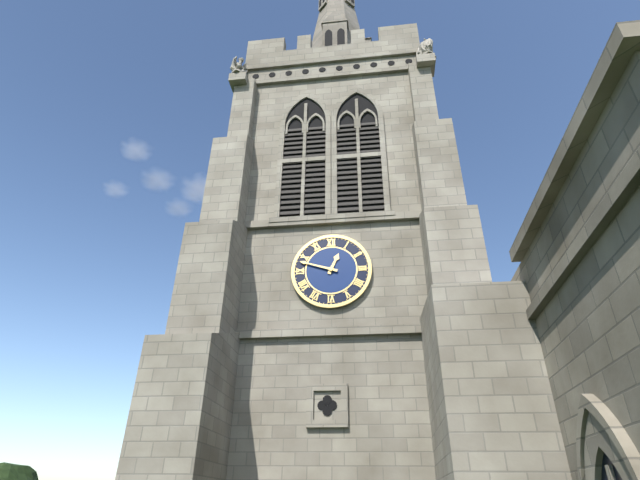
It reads 12:48
